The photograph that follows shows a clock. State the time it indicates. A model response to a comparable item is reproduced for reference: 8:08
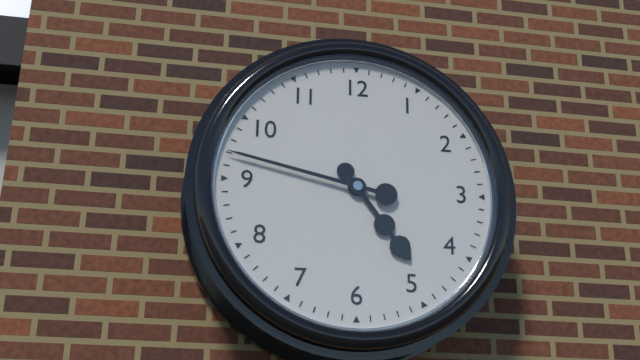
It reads 4:47
